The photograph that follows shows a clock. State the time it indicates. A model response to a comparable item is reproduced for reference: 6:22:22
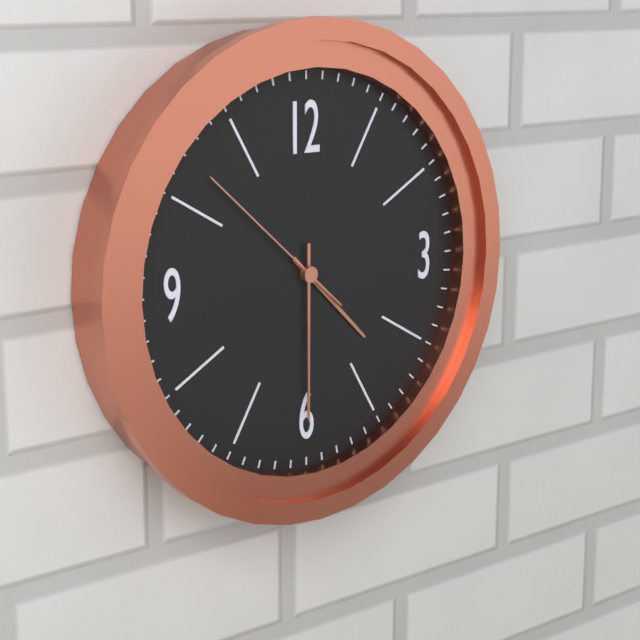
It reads 4:30:52
